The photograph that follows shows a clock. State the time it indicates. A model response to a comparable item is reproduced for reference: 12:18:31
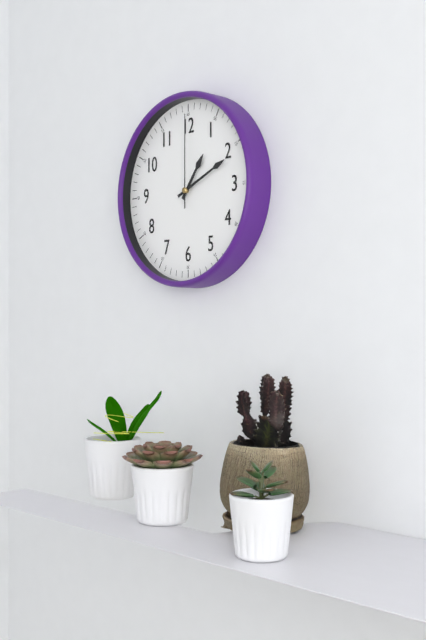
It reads 1:11:00
